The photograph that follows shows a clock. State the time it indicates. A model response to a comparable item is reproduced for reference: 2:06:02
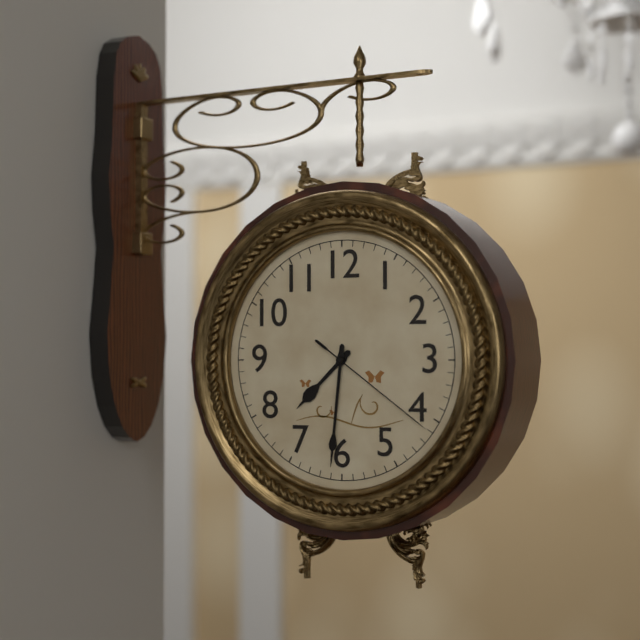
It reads 7:31:21
